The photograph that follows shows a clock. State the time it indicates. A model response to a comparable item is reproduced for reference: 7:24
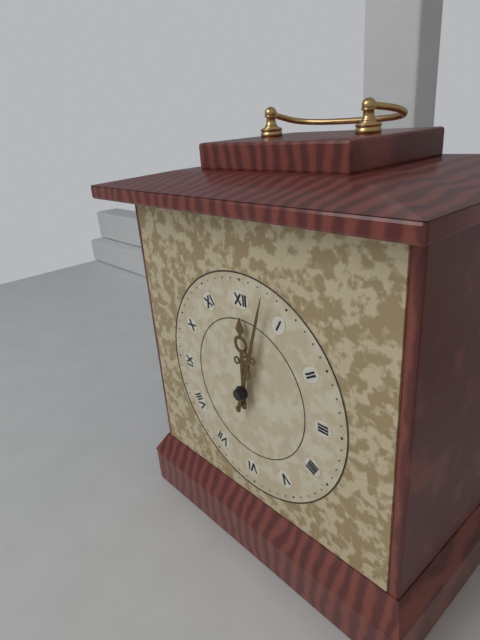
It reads 12:03
